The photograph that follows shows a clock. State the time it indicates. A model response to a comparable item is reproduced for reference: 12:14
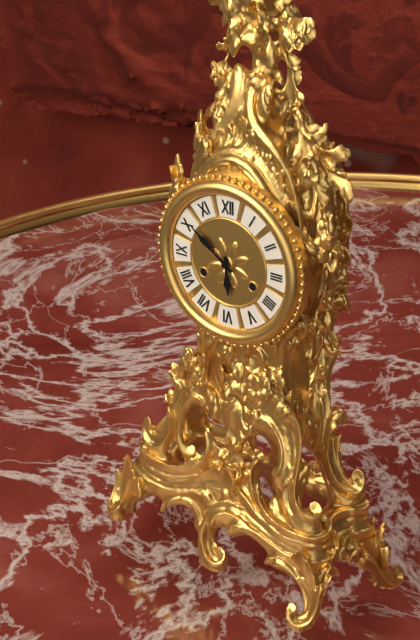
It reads 5:51
